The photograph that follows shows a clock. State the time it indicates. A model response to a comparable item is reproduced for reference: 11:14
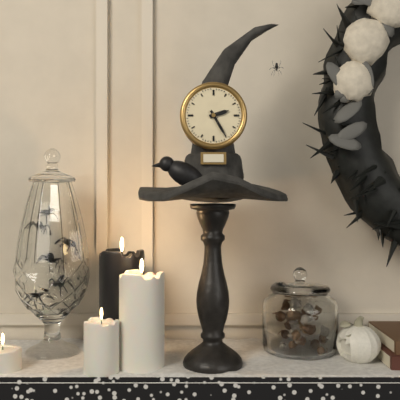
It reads 2:25
